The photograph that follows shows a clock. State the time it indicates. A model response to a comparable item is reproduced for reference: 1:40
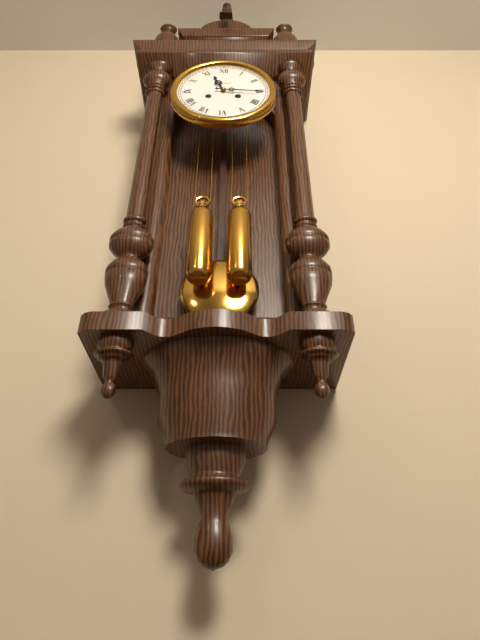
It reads 11:16
